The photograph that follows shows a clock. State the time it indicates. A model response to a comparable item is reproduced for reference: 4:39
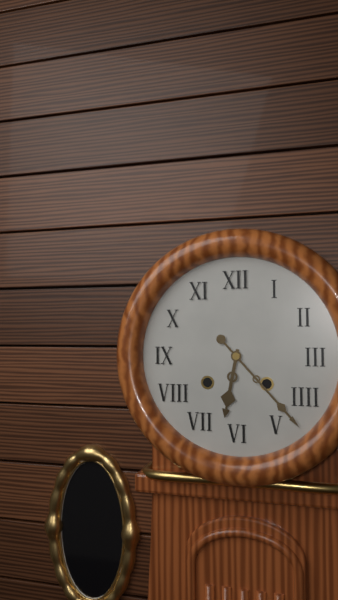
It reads 6:23
